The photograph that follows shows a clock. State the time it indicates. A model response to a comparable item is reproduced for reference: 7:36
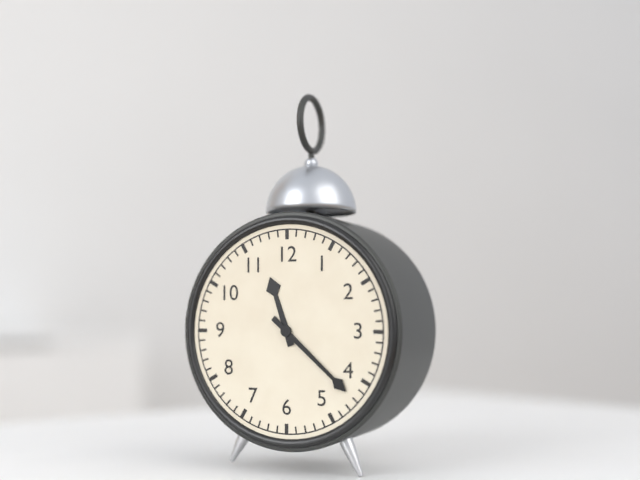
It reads 11:22
